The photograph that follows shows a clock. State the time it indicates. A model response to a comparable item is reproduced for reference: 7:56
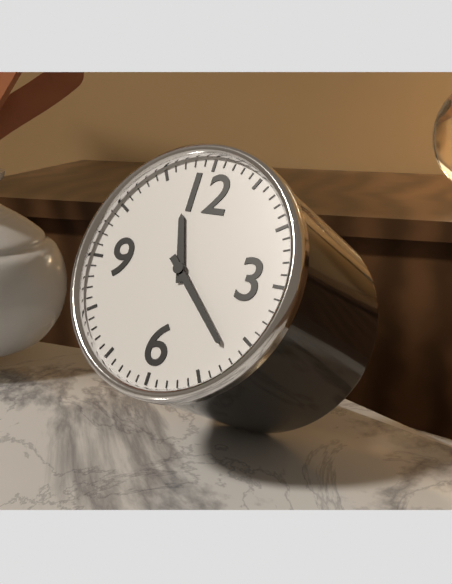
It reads 11:22
